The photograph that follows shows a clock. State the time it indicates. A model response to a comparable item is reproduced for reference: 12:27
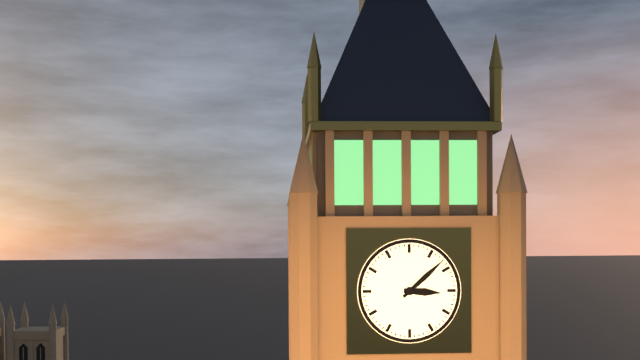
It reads 3:08
